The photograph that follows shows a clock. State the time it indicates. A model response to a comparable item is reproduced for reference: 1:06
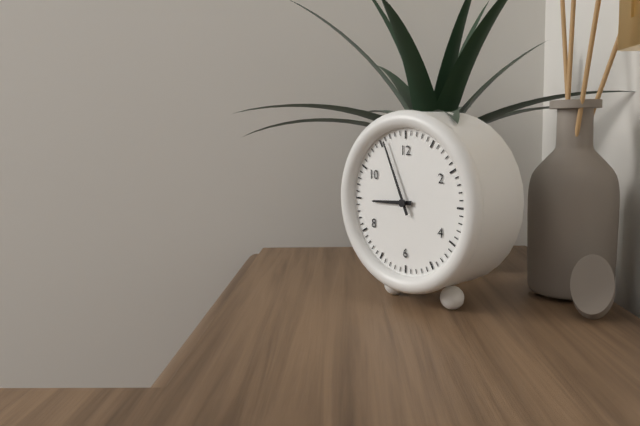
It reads 8:56
